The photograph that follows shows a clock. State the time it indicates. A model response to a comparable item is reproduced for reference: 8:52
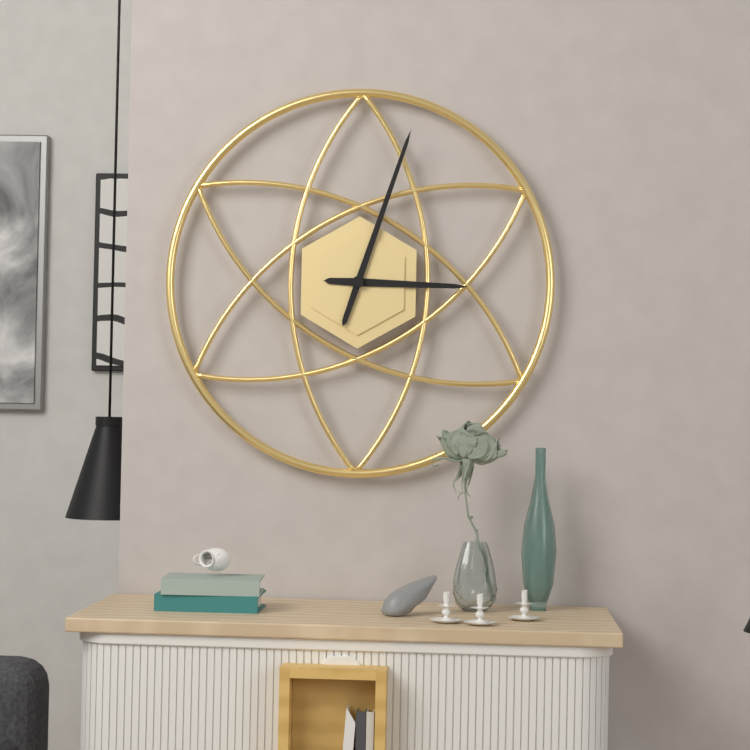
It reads 3:03
